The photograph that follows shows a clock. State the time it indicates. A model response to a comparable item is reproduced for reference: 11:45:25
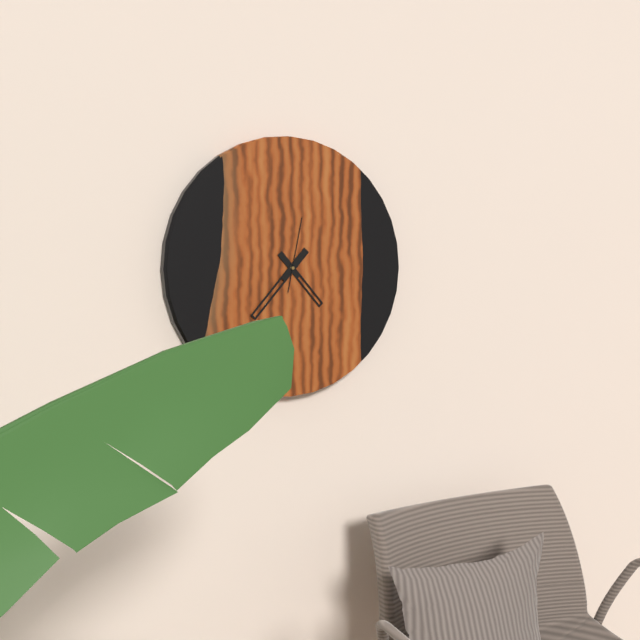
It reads 4:37:02
